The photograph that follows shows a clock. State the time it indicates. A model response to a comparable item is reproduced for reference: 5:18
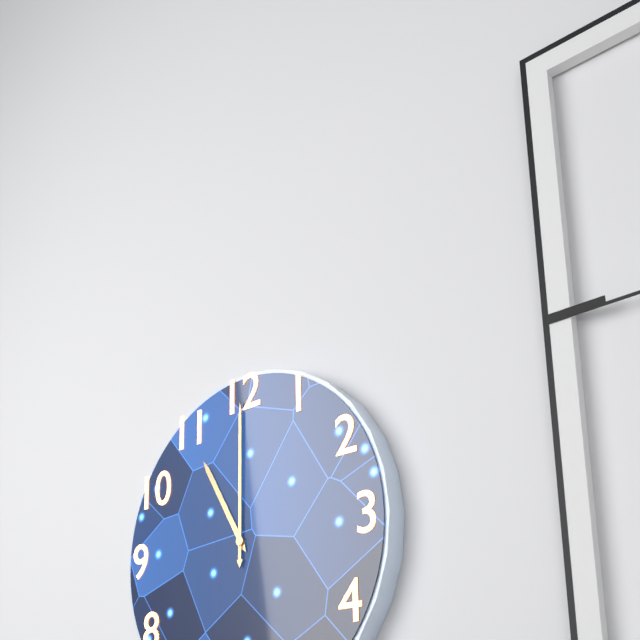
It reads 11:00
